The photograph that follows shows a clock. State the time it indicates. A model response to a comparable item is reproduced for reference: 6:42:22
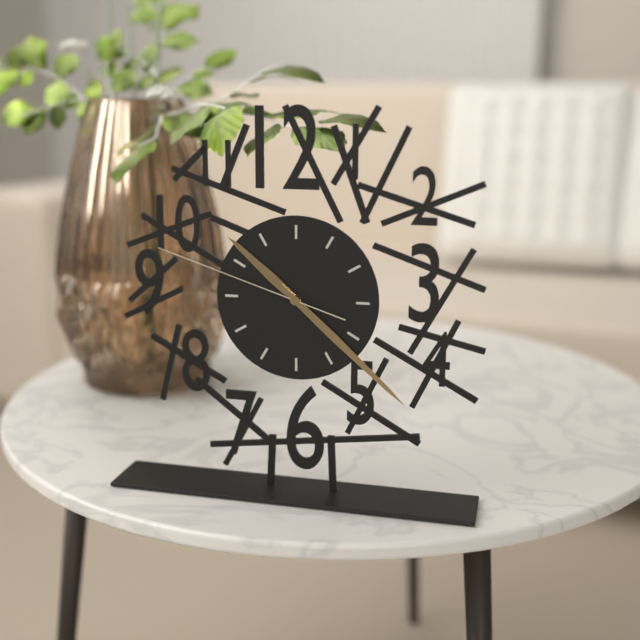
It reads 10:22:48
